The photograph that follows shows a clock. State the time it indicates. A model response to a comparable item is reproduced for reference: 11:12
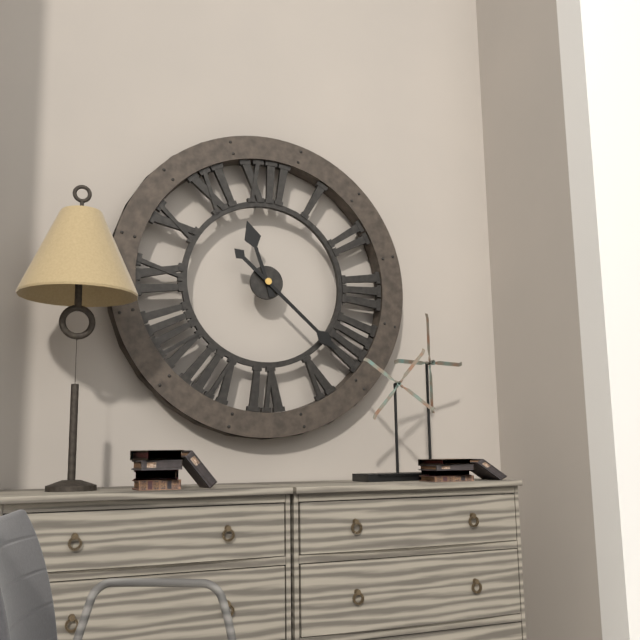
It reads 11:22
